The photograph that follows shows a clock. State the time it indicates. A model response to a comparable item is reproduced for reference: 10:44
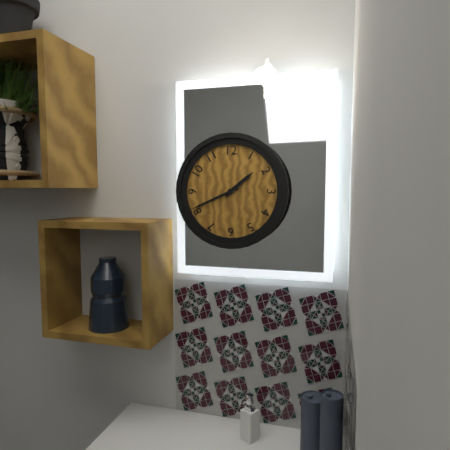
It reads 1:41
